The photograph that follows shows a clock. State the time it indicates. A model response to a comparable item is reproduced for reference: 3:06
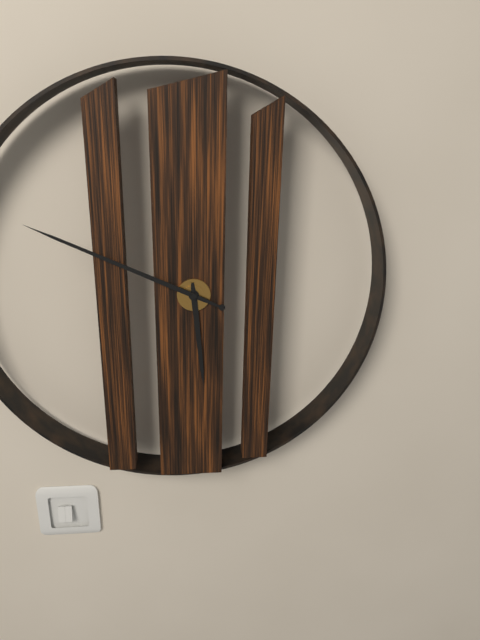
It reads 5:49
